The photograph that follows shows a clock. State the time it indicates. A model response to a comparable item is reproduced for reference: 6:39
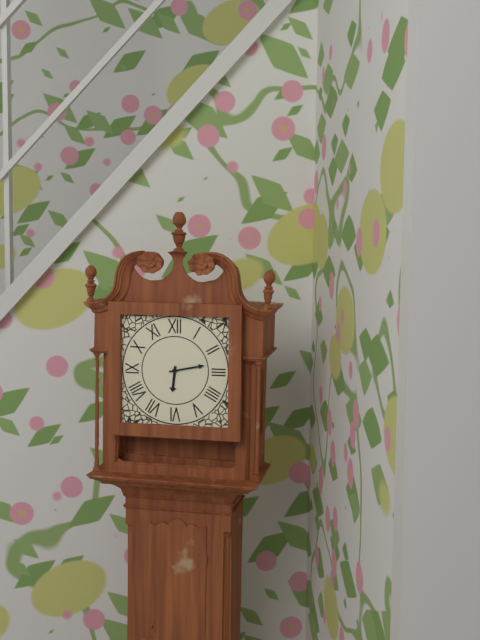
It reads 6:13
